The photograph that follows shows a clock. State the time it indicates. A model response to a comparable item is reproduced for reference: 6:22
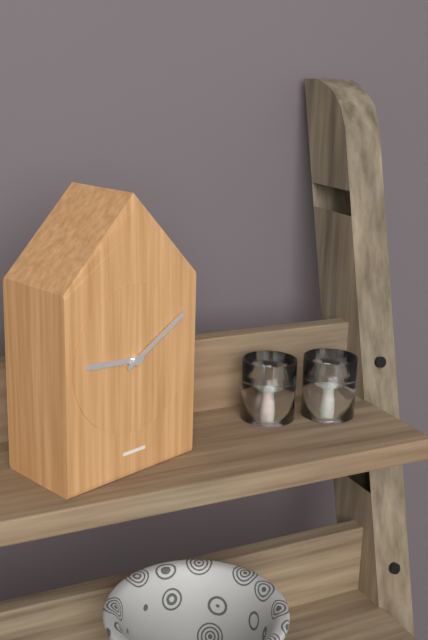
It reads 9:10
